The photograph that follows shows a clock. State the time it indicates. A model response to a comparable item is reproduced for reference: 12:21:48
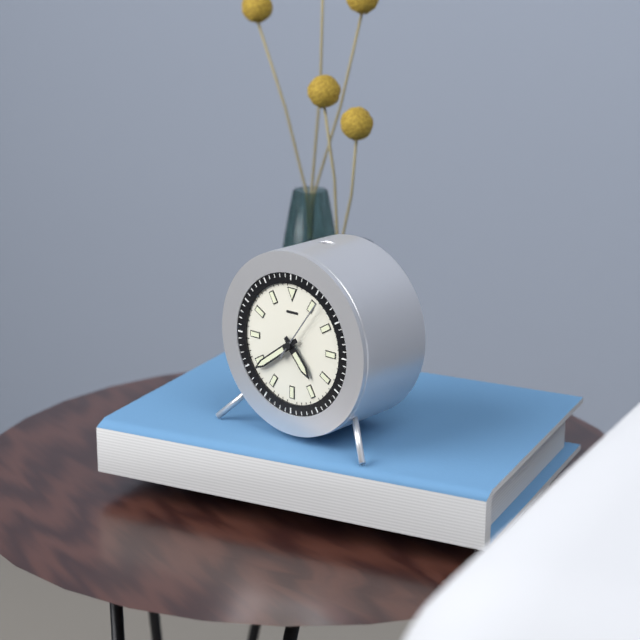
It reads 4:39:06
